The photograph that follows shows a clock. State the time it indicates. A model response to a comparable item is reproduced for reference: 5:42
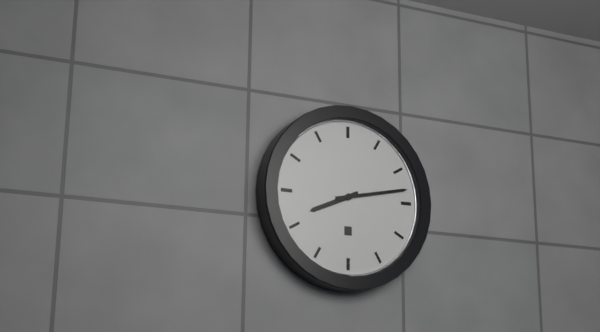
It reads 8:13
